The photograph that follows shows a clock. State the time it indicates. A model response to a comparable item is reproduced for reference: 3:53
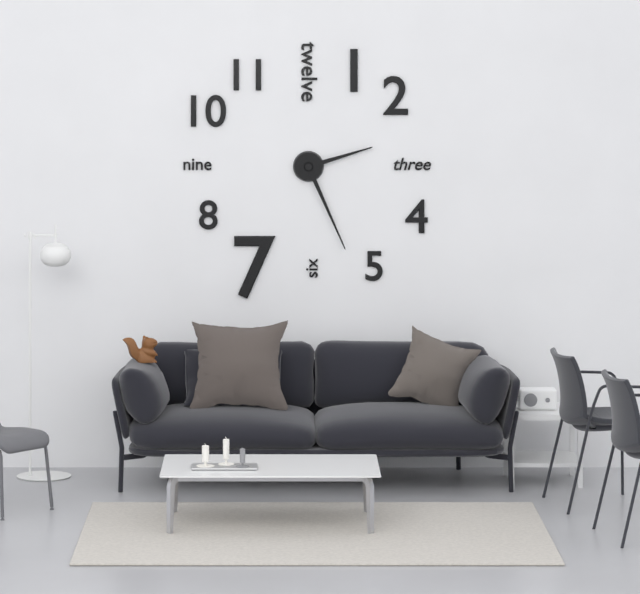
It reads 2:26
